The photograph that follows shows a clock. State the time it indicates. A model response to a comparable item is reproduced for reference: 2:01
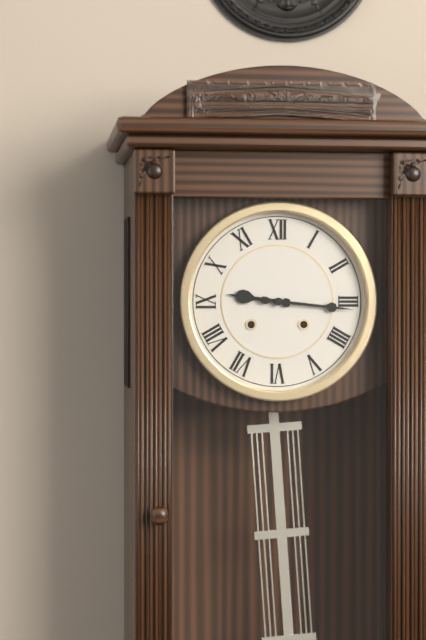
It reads 9:16
